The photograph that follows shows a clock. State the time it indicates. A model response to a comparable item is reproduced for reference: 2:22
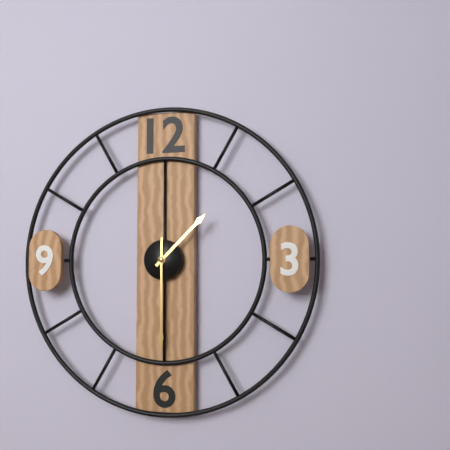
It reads 1:30
